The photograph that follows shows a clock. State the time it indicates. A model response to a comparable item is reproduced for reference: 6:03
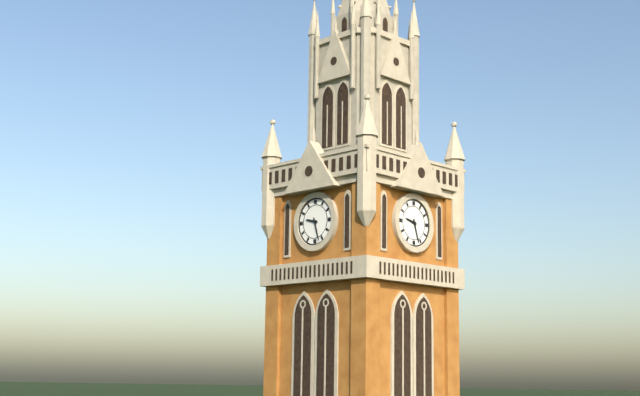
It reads 9:27
